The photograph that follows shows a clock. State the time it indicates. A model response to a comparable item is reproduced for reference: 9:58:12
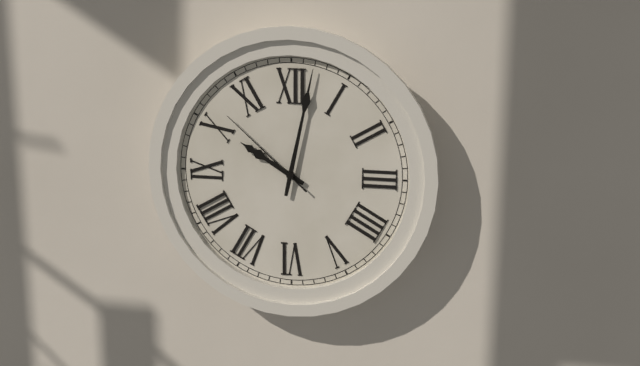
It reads 10:02:52
